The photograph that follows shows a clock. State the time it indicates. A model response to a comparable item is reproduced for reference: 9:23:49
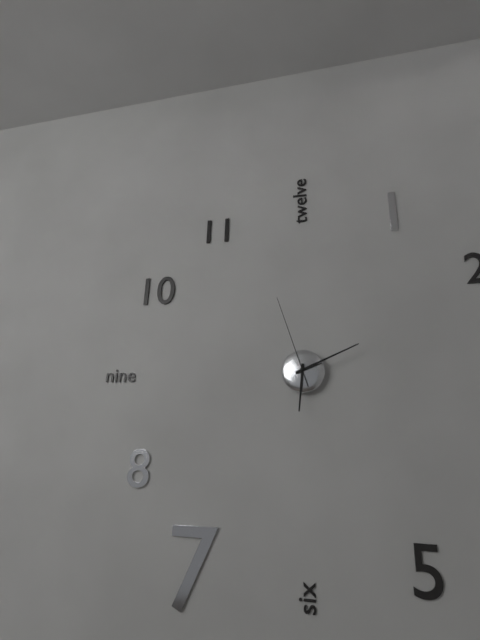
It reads 6:11:57
